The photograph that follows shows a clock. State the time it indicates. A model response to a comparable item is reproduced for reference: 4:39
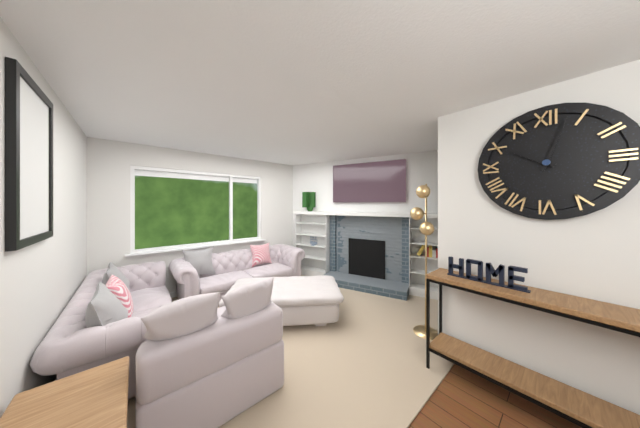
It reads 10:03
